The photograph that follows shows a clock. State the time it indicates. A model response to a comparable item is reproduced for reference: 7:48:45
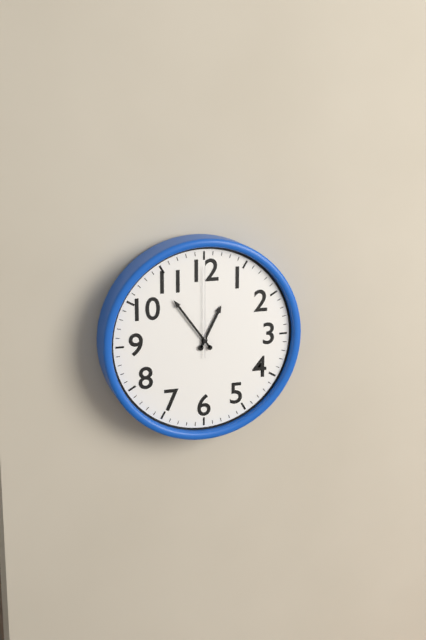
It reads 12:54:00
